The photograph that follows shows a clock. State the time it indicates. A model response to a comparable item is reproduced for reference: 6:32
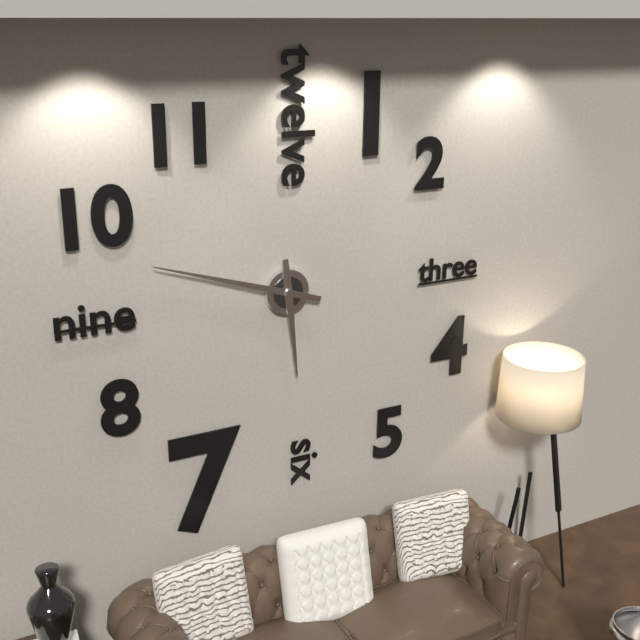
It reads 5:48
